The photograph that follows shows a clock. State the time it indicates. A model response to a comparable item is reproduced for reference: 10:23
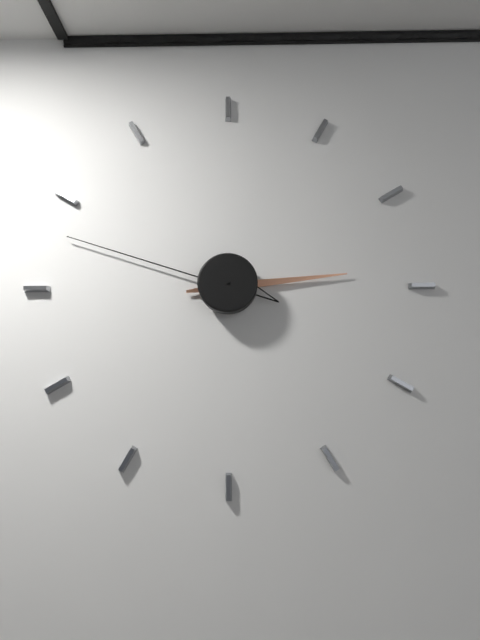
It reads 2:48
